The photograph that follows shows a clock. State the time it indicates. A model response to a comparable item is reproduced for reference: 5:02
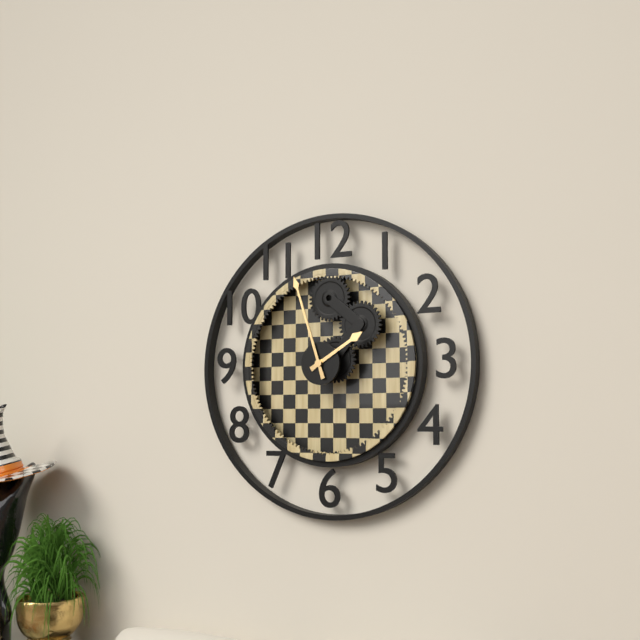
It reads 1:57
